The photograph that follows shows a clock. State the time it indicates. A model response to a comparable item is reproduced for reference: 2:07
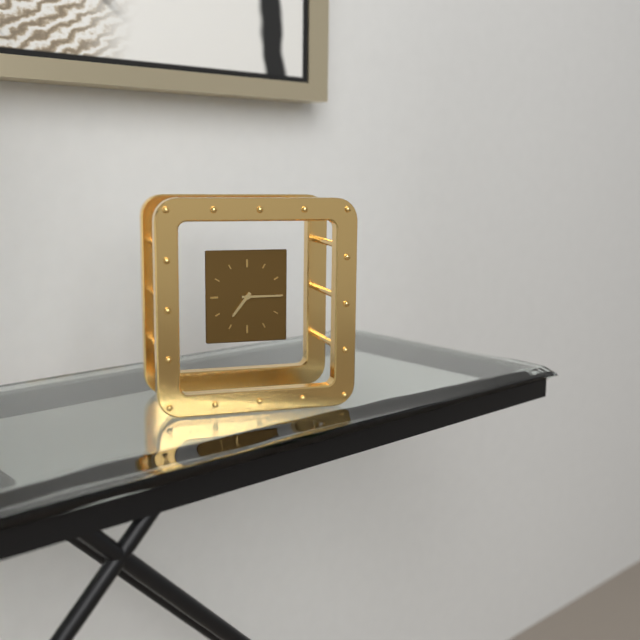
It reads 7:15
